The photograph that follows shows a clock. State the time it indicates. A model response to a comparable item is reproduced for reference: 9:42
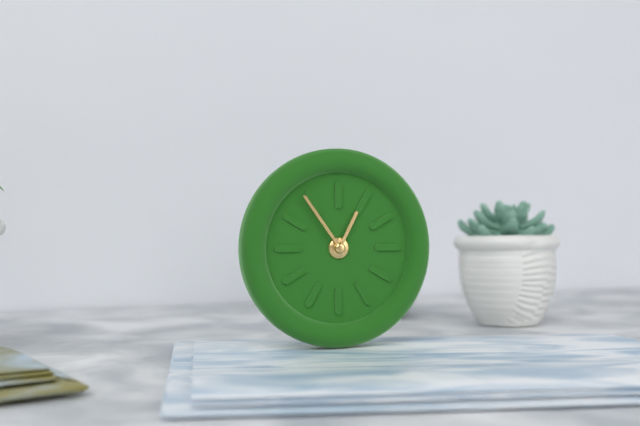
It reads 12:54
